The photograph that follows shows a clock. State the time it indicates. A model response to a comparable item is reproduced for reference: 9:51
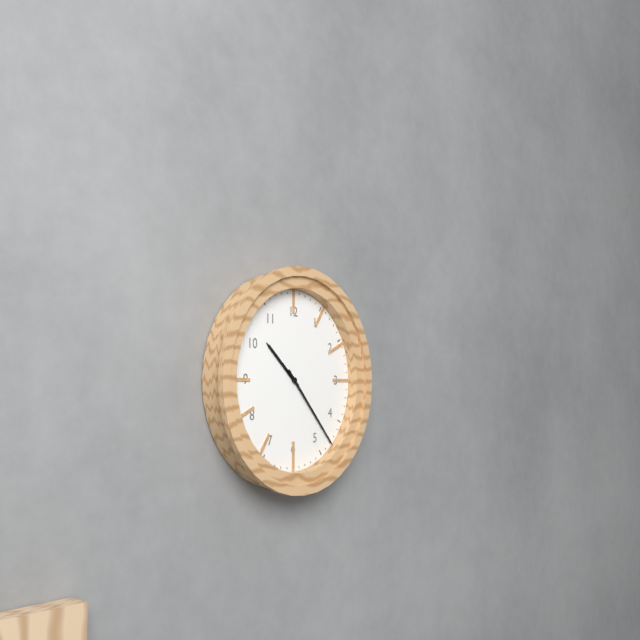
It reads 10:23
